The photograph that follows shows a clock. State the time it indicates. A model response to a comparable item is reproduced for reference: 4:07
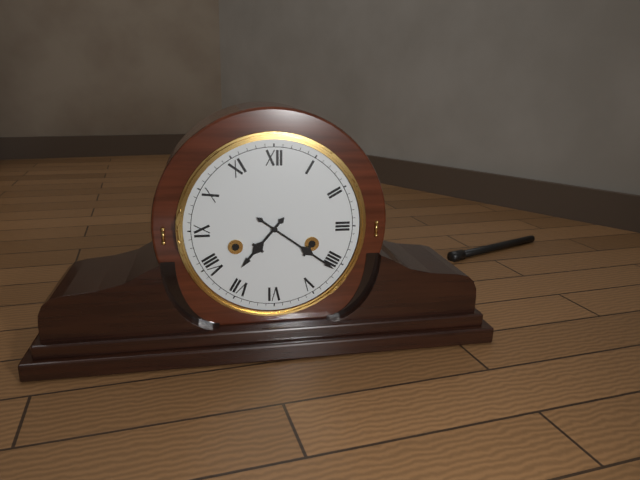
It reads 7:21
